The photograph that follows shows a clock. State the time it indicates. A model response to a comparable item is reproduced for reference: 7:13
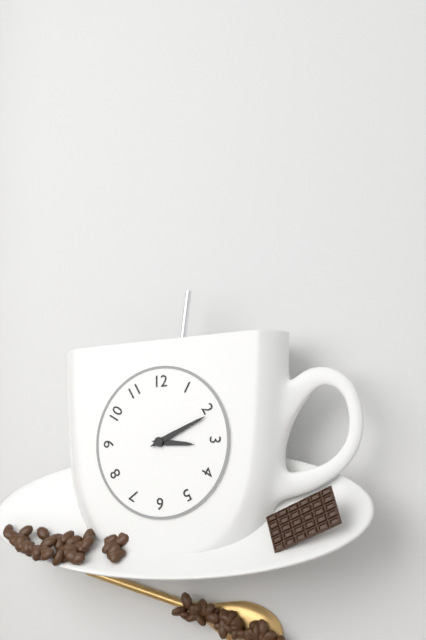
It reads 3:11
